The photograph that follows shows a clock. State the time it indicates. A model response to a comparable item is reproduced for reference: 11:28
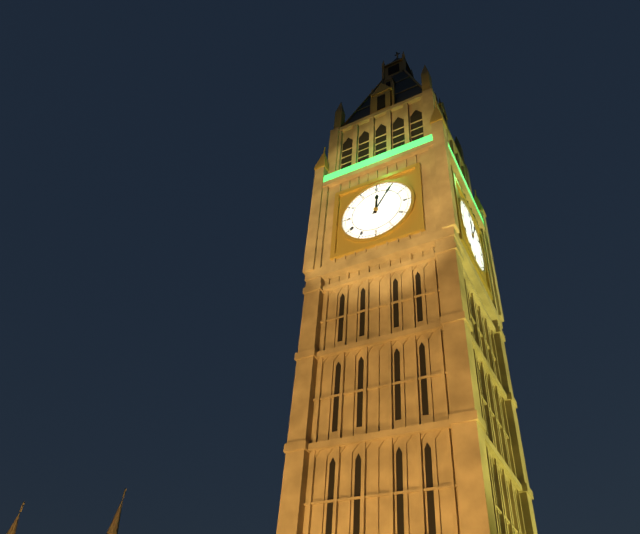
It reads 12:05
